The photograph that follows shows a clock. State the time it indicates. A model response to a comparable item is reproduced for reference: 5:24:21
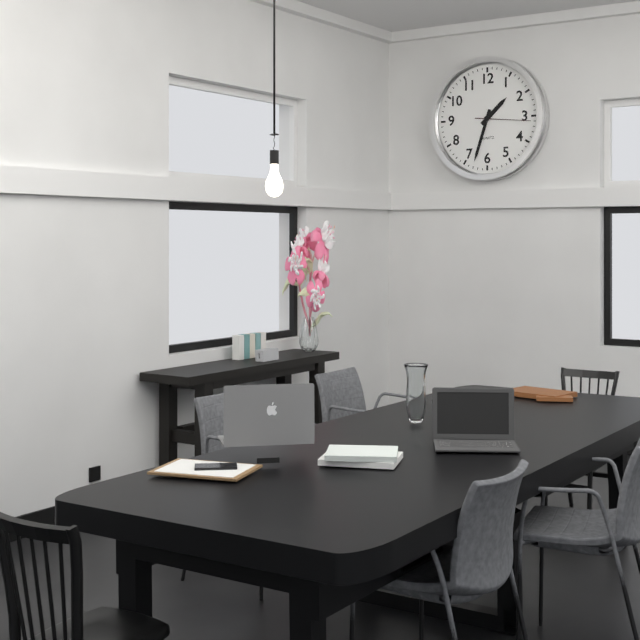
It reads 1:33:16
